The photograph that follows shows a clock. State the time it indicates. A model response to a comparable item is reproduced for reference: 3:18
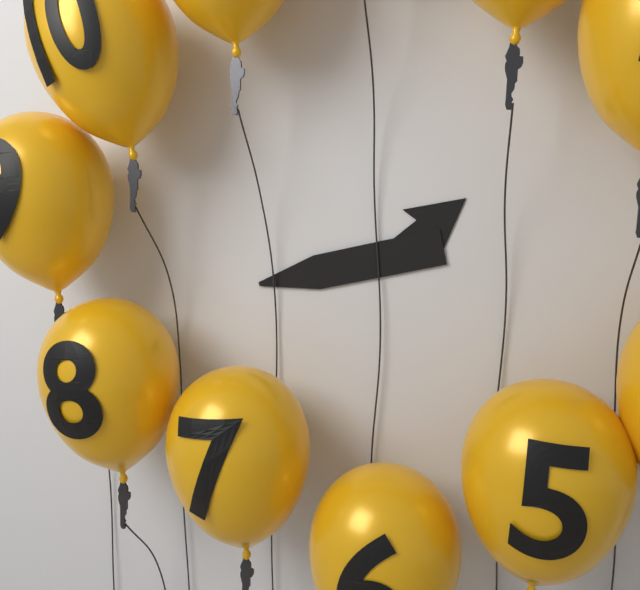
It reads 1:43
